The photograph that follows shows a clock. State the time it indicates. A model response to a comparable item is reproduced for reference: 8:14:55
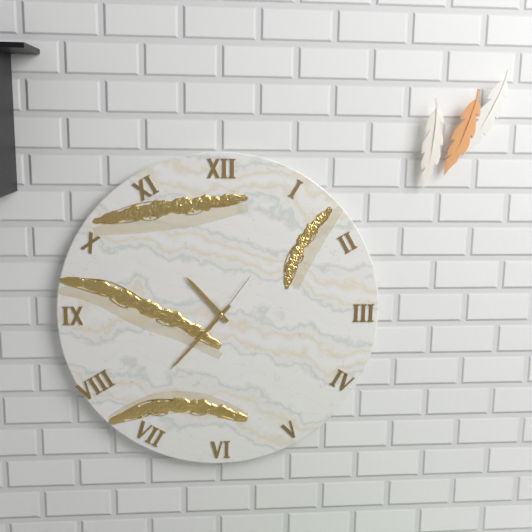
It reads 10:37:06
